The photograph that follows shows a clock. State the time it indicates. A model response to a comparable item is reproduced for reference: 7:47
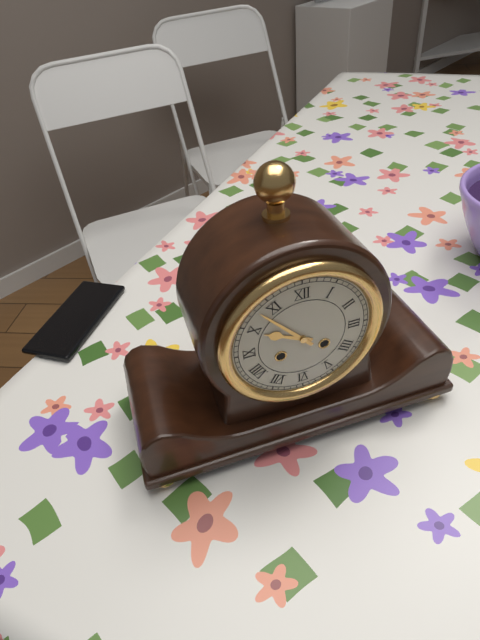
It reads 9:53
